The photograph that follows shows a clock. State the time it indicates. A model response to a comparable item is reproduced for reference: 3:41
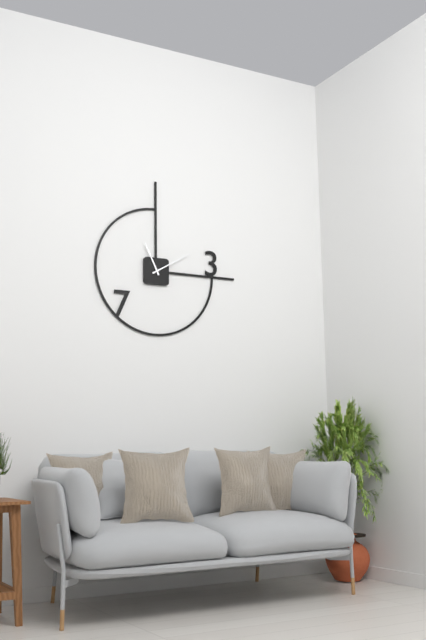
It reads 11:10
